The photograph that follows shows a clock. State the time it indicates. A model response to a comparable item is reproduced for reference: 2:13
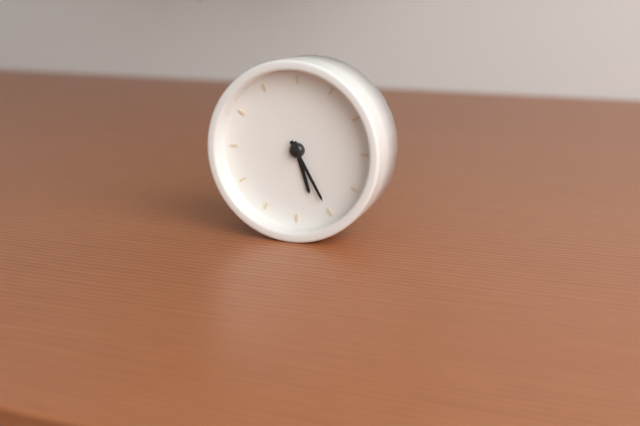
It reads 5:25
